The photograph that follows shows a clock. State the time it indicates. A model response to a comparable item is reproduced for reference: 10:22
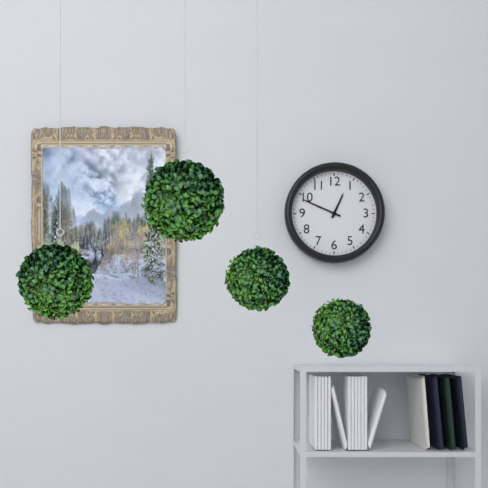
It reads 12:49
